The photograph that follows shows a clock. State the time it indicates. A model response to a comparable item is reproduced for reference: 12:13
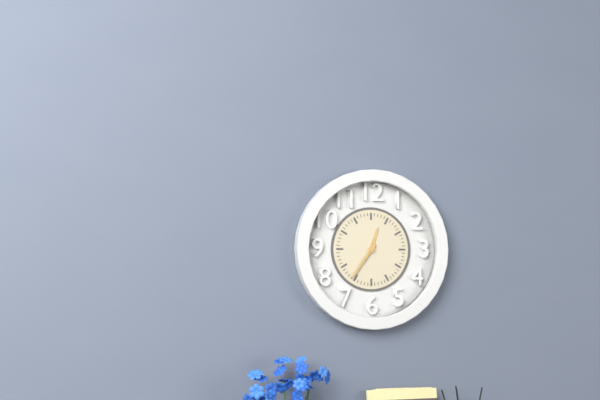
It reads 12:36
